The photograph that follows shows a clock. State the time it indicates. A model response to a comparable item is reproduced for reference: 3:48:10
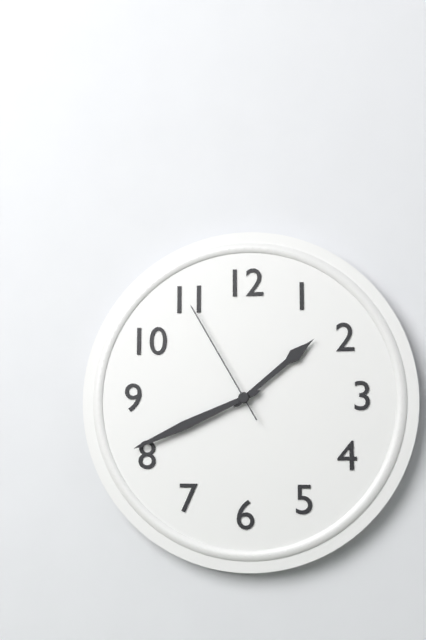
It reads 1:41:55
